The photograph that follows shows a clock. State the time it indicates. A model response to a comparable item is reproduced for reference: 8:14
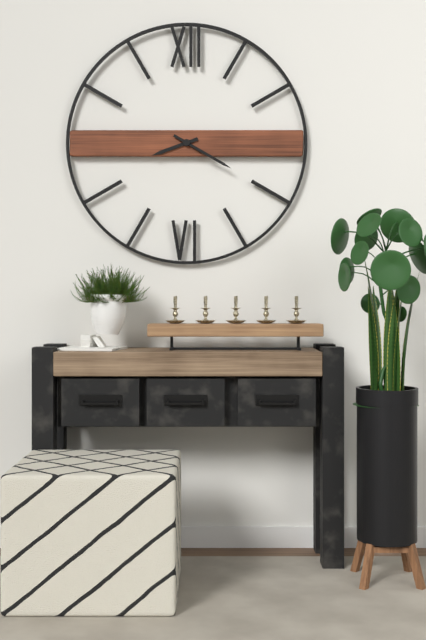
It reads 8:20
